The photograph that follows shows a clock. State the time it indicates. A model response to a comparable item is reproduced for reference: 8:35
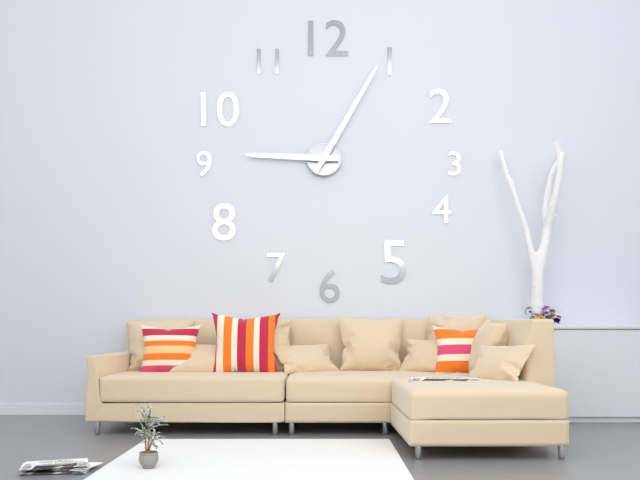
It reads 9:05
